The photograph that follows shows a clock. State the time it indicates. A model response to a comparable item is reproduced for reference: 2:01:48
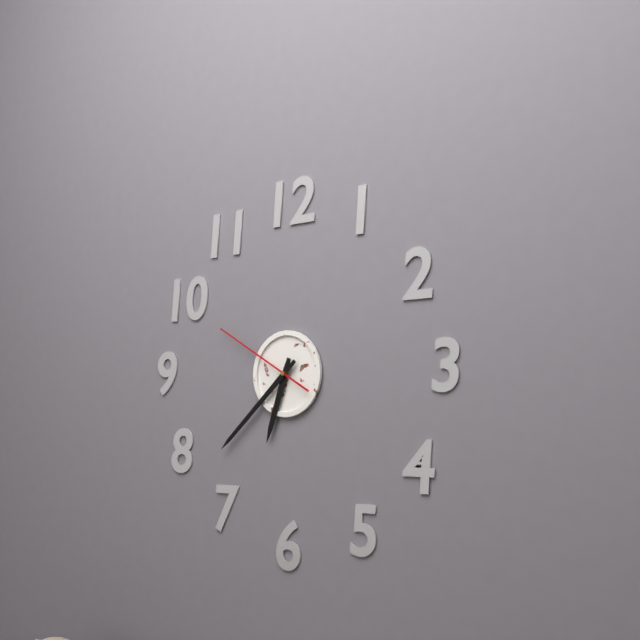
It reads 6:38:50
